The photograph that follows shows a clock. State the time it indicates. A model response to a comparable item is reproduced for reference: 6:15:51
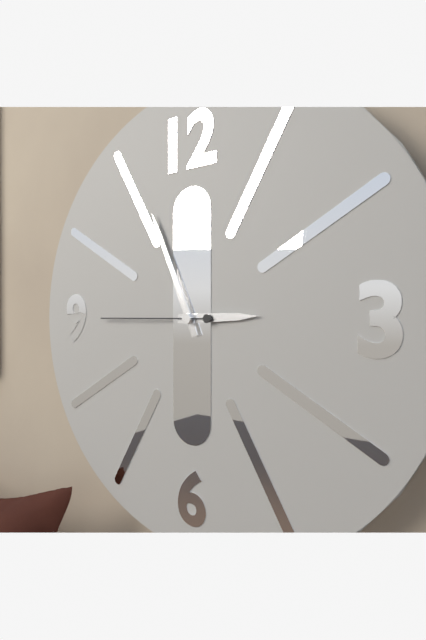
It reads 2:56:45
